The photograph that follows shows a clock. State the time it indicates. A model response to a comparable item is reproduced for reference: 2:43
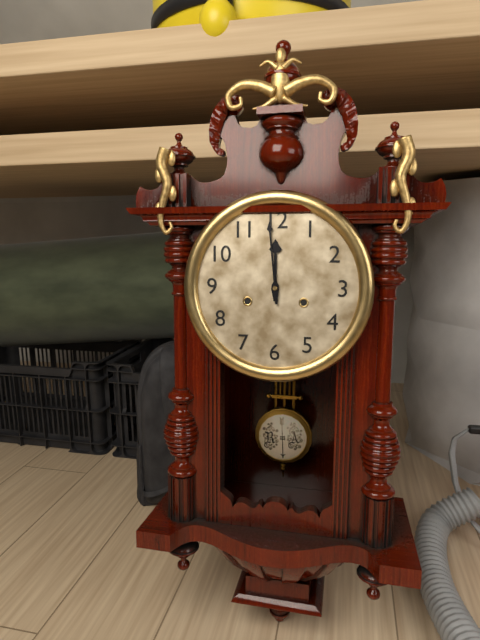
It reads 11:59
